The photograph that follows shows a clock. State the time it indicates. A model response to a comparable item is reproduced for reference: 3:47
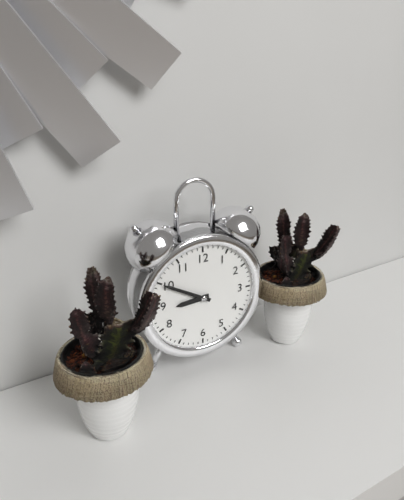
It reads 8:50
